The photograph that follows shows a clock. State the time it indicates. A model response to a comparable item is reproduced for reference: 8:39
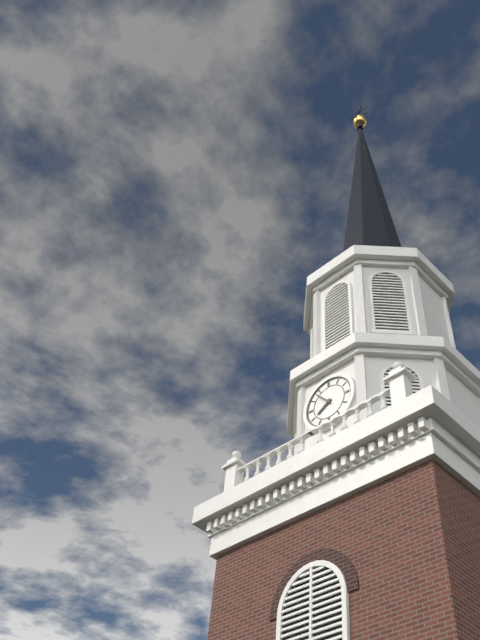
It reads 7:53
